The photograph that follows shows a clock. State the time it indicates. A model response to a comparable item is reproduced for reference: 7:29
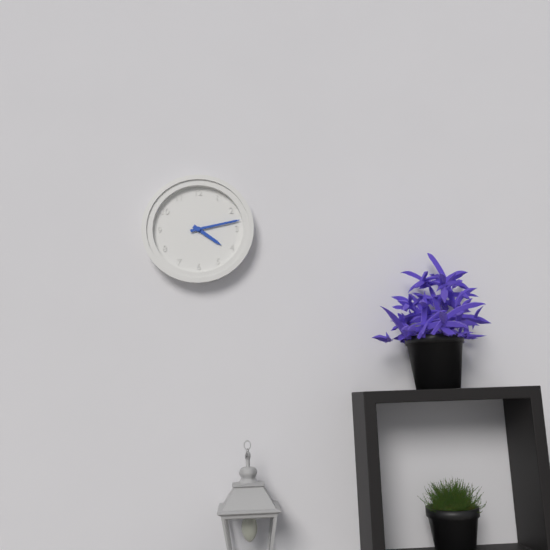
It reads 4:13
